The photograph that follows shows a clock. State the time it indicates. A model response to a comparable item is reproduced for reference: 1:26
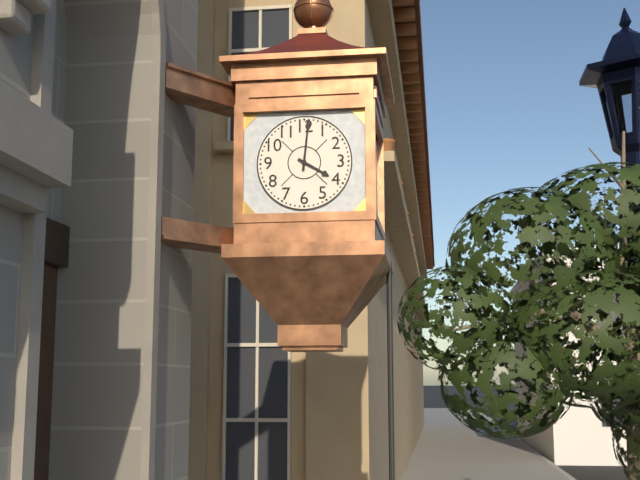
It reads 4:01
